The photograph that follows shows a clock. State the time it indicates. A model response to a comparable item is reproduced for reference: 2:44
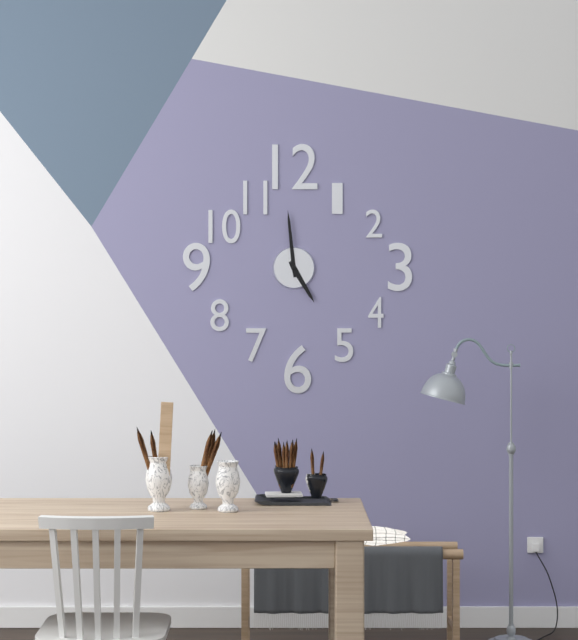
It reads 4:59
